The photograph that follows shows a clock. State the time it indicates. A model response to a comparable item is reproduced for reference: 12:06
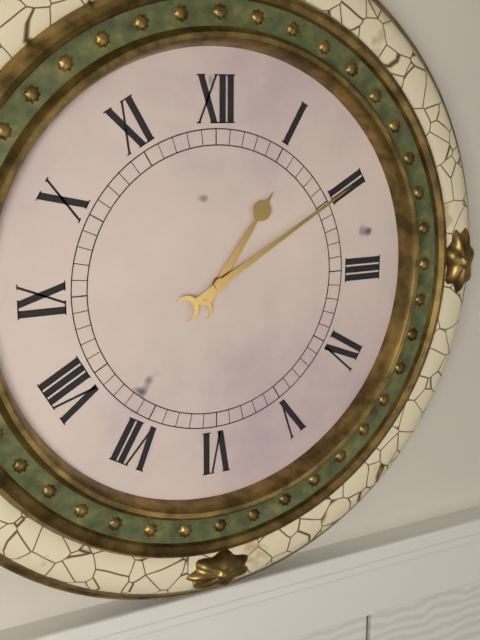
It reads 1:10
